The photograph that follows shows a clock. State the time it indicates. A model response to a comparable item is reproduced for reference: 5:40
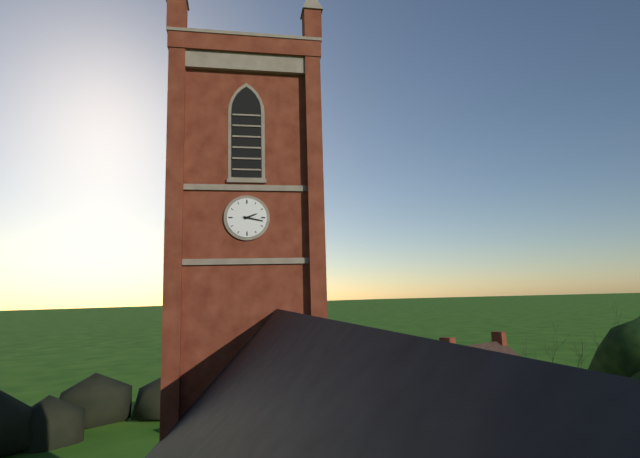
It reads 2:17
